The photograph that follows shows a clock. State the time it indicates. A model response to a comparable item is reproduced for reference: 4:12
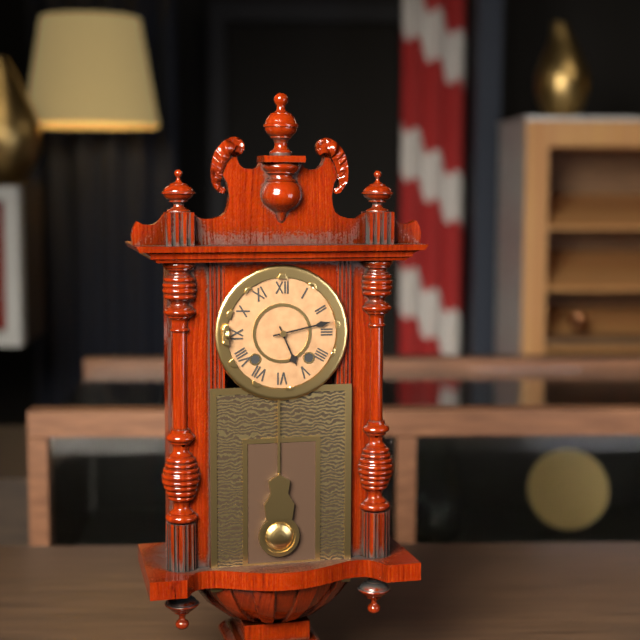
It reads 5:13
